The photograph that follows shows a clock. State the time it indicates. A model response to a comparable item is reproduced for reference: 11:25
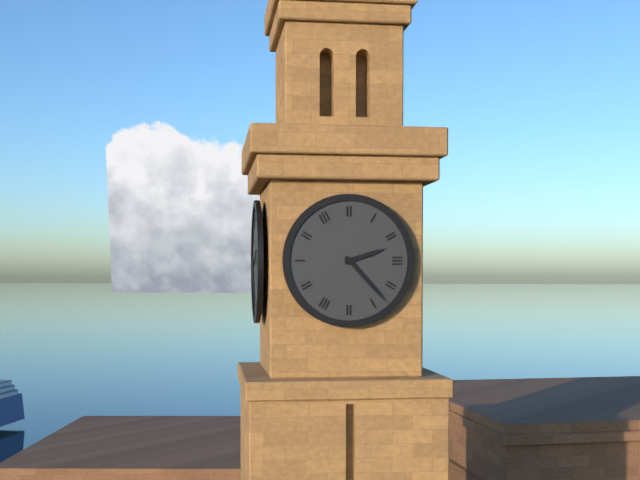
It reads 2:23
